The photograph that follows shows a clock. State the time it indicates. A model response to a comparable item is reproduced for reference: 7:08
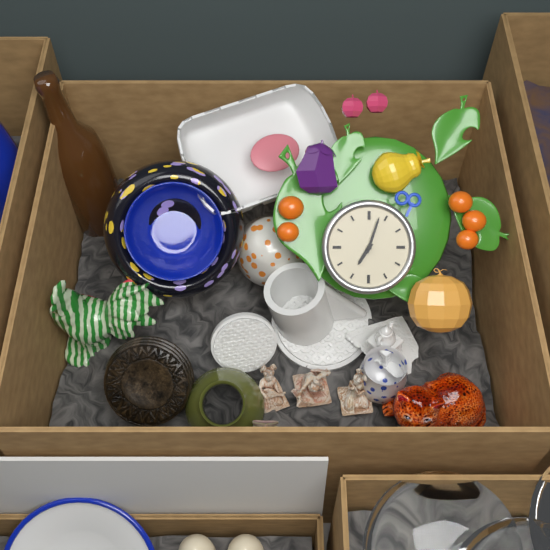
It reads 7:03
